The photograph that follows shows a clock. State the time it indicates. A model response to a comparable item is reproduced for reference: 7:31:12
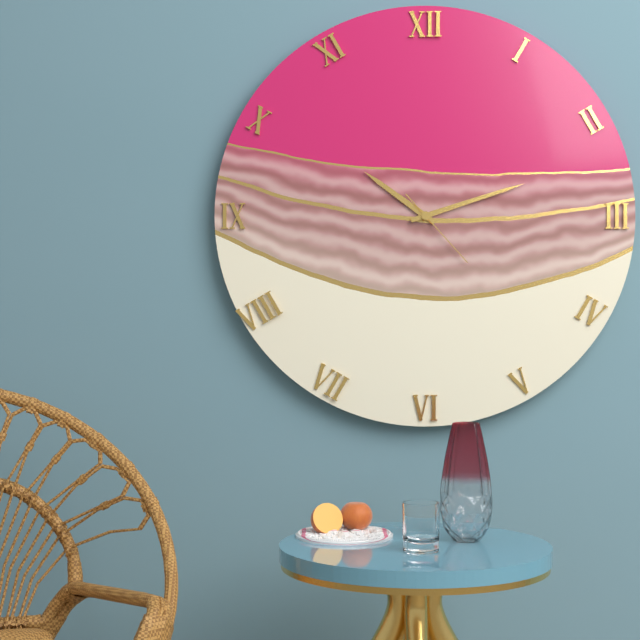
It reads 10:12:23
